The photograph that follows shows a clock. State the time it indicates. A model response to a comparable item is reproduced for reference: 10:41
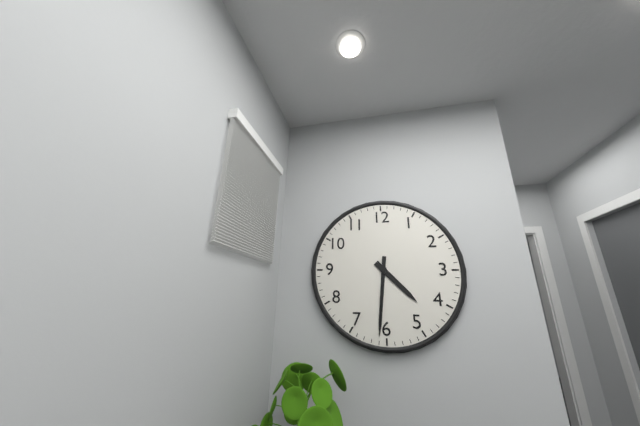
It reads 4:31
